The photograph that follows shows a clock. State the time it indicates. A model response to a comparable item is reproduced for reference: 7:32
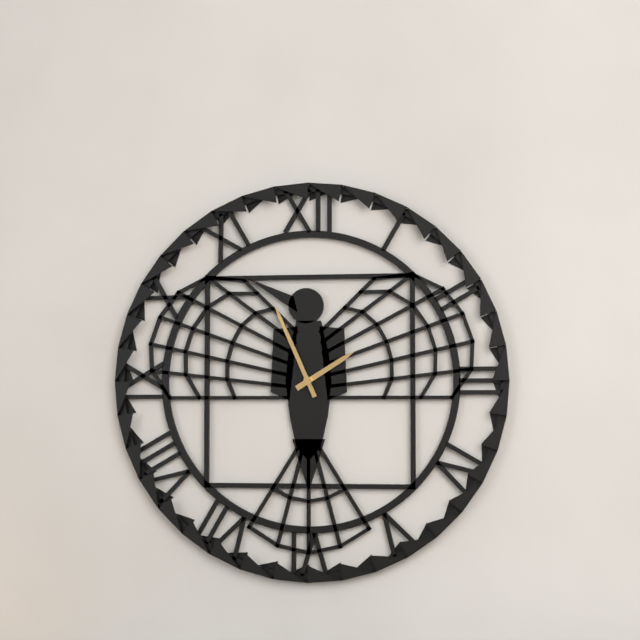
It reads 1:56
